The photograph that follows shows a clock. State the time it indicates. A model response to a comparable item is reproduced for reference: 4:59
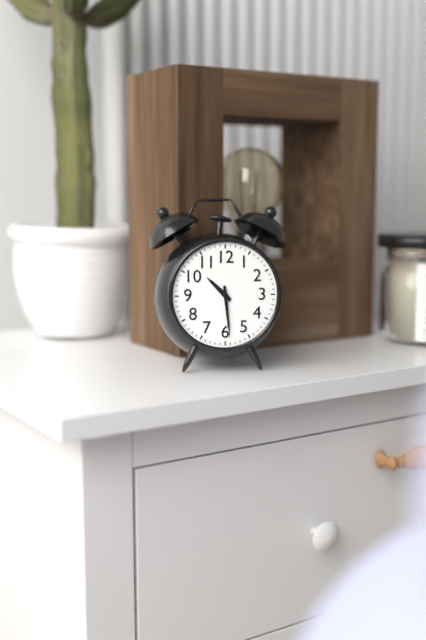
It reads 10:29
